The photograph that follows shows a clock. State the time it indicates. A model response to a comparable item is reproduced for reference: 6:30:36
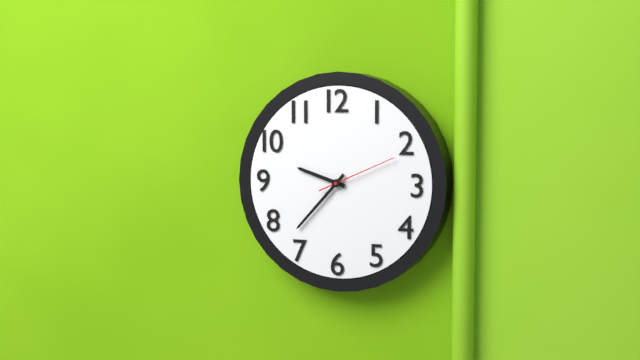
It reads 9:37:11
